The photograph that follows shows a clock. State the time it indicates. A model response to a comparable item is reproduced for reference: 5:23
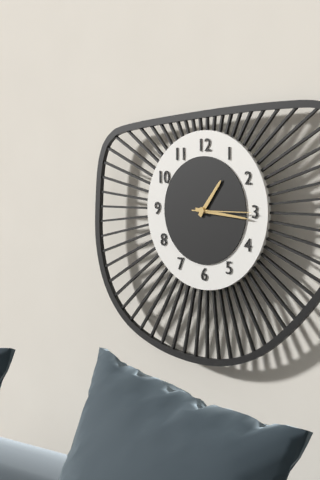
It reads 1:16
